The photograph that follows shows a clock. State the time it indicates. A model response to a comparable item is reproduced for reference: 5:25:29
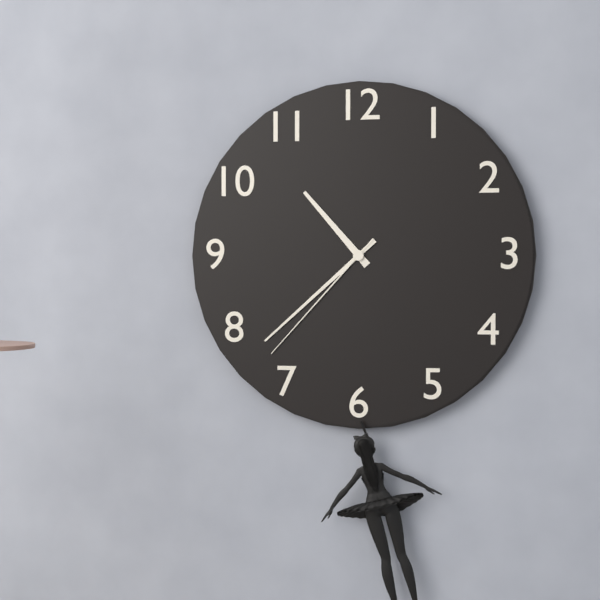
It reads 10:38:37
